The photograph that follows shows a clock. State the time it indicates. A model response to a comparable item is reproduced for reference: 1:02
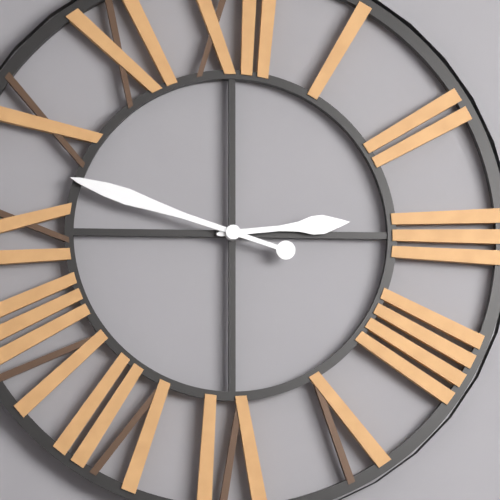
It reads 2:48
